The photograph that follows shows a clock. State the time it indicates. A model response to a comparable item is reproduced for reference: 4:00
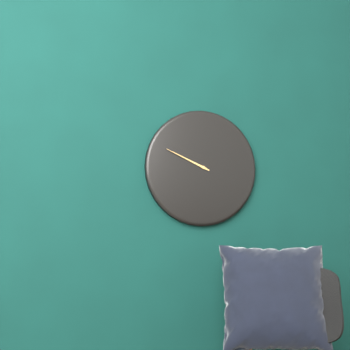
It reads 9:49
